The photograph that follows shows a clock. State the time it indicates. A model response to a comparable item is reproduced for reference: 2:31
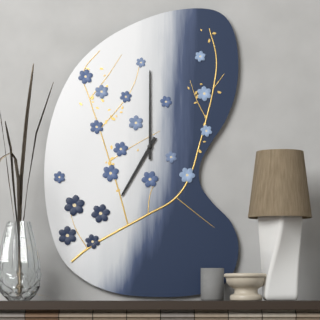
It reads 7:00
